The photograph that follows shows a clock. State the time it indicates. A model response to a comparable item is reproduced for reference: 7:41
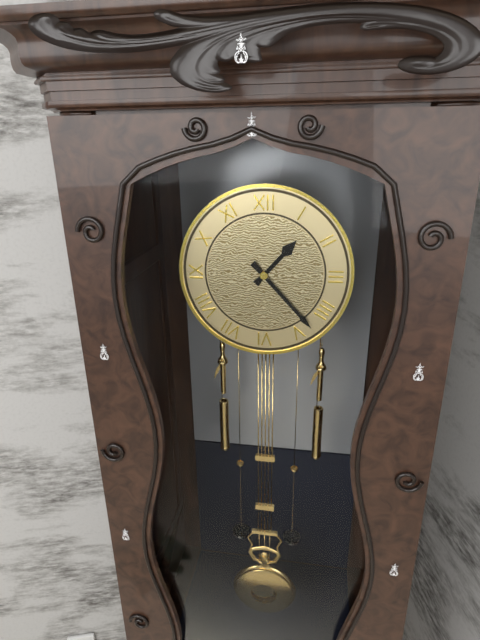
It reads 1:23
